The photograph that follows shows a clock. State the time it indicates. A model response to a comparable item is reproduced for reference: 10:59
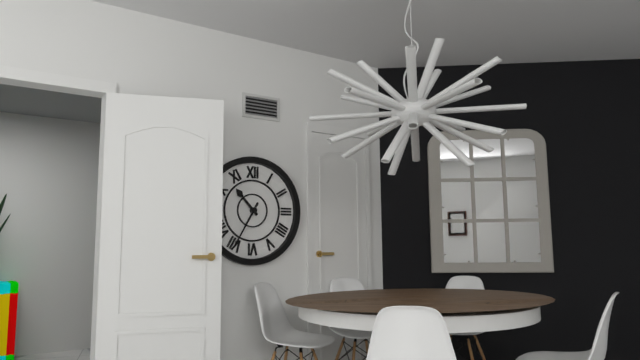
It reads 10:35
